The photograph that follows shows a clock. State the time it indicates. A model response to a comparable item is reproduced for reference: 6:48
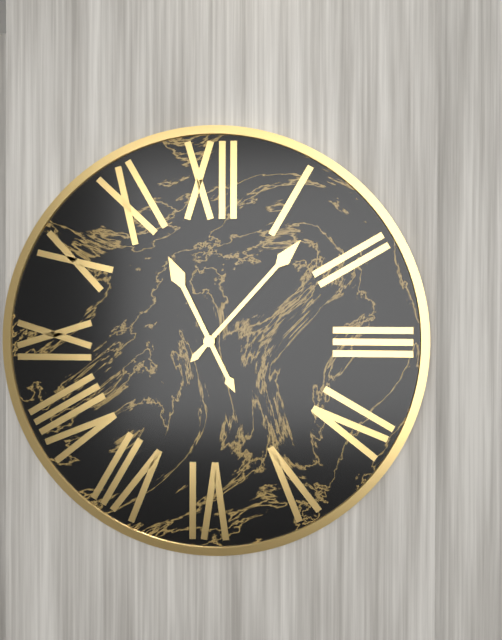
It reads 11:07
